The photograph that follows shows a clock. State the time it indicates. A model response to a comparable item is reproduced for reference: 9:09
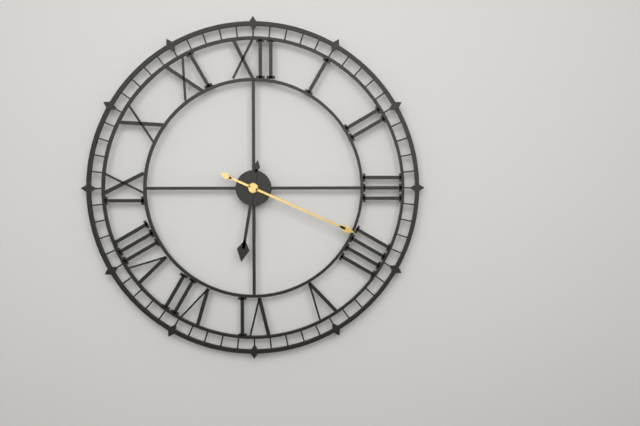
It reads 6:19
